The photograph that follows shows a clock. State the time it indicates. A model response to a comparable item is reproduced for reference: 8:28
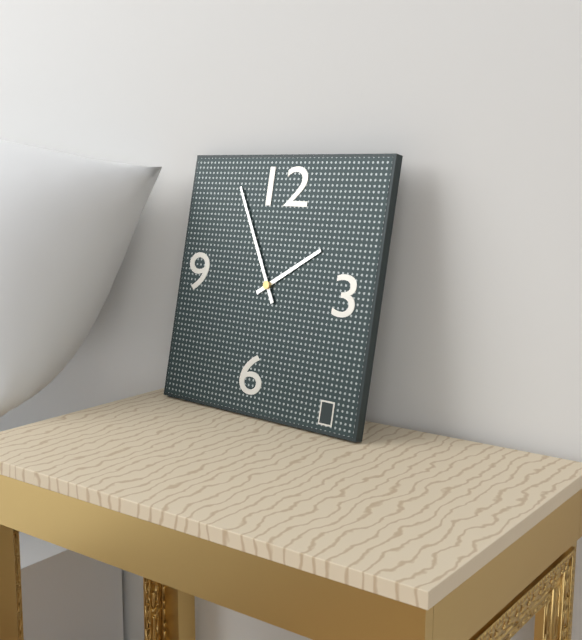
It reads 1:55
